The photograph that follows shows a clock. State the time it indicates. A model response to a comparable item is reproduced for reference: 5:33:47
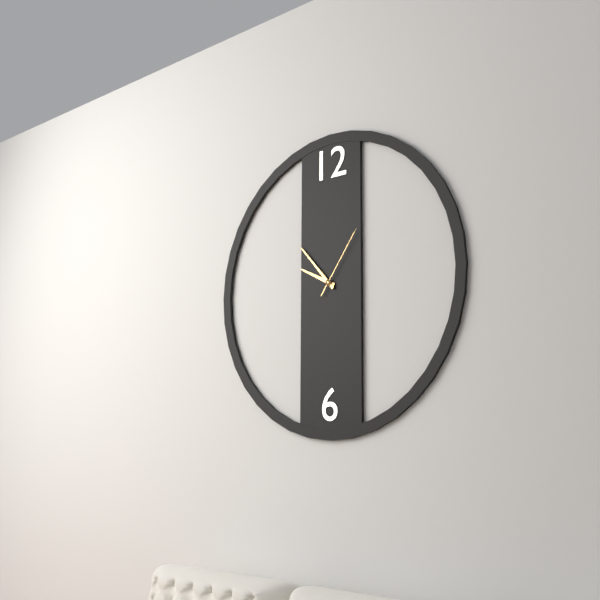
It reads 9:53:06
